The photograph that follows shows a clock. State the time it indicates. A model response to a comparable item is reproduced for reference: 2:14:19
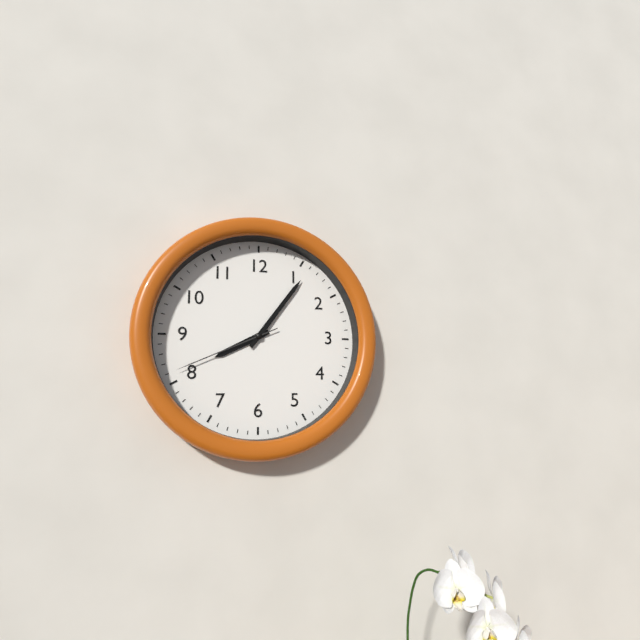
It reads 8:06:41
